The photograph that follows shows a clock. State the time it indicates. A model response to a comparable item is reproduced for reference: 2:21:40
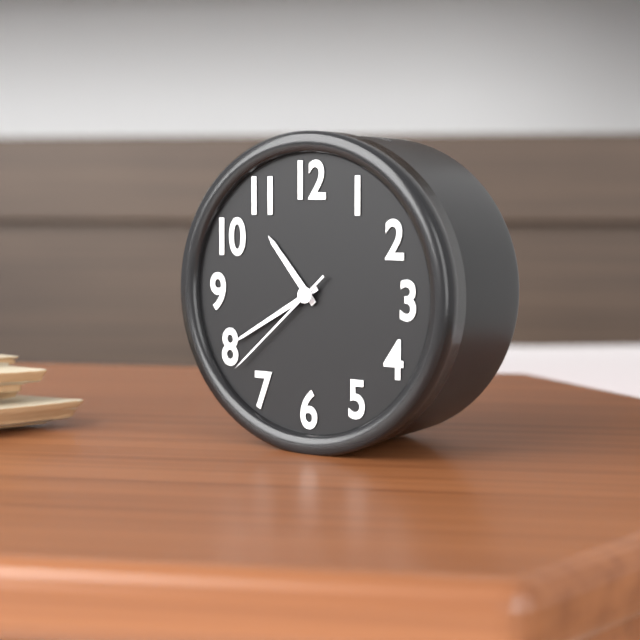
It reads 10:40:38
